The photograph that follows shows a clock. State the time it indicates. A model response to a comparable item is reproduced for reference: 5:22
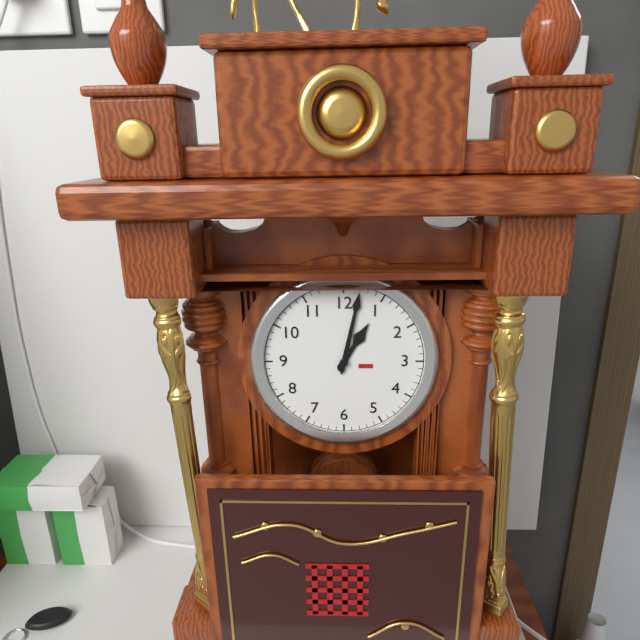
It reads 1:02
